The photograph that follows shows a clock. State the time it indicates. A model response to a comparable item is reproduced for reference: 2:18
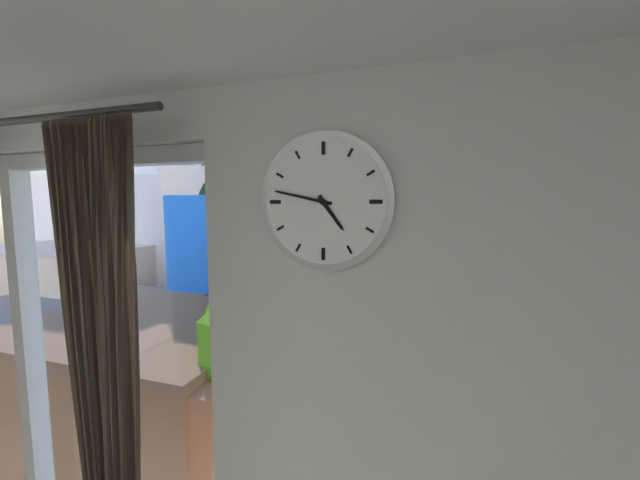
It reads 4:47
